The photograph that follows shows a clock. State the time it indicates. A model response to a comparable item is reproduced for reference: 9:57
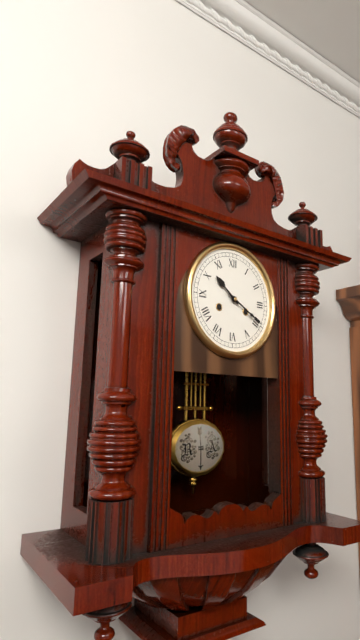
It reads 10:20
